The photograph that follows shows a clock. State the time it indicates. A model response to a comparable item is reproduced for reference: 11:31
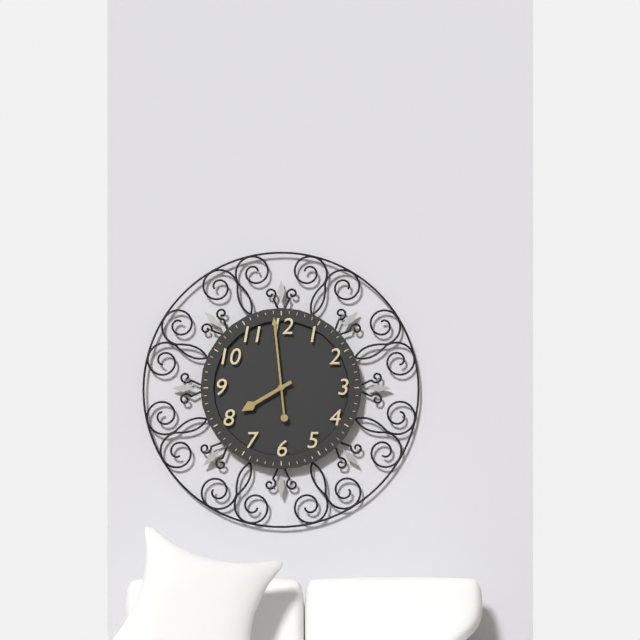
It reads 7:59
